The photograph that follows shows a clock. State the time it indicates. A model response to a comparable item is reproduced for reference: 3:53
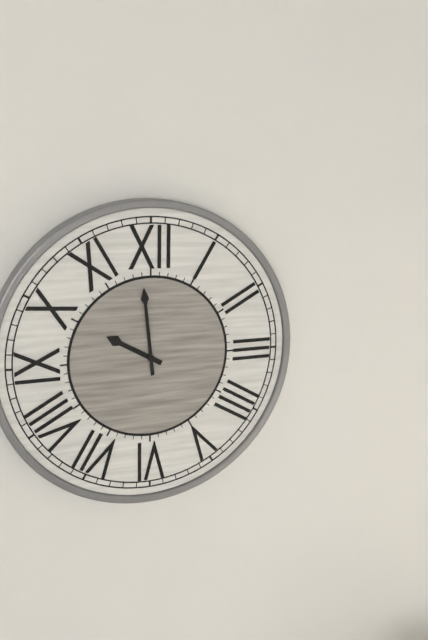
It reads 9:59
